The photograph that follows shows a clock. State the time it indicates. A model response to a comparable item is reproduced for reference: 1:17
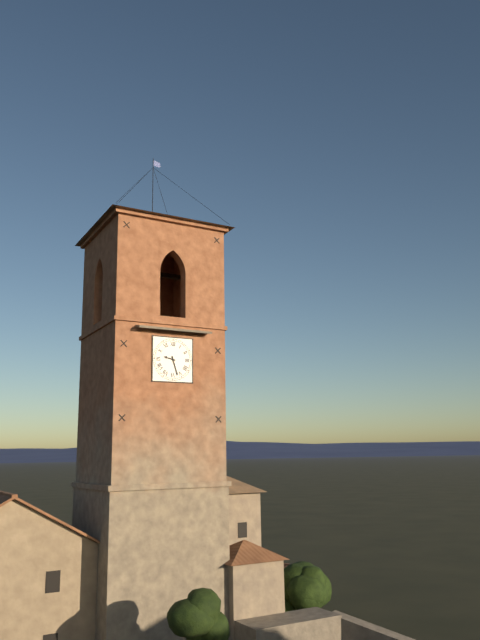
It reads 9:27
